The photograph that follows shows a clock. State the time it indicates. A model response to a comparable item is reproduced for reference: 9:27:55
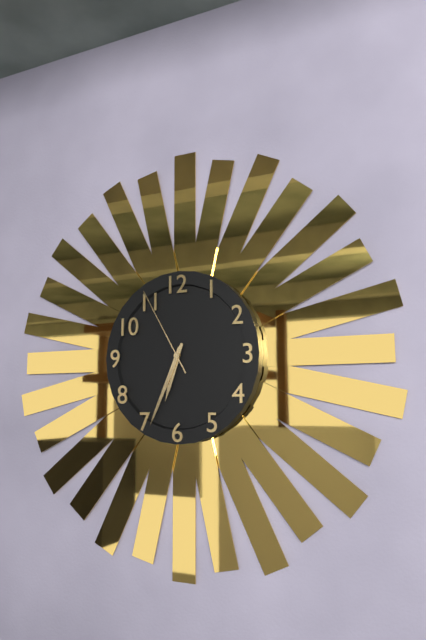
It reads 6:34:55
